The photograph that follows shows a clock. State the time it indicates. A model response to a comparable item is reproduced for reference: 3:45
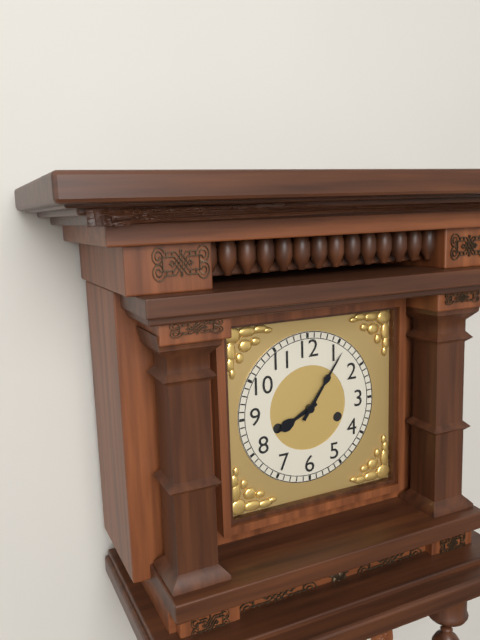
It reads 8:06
